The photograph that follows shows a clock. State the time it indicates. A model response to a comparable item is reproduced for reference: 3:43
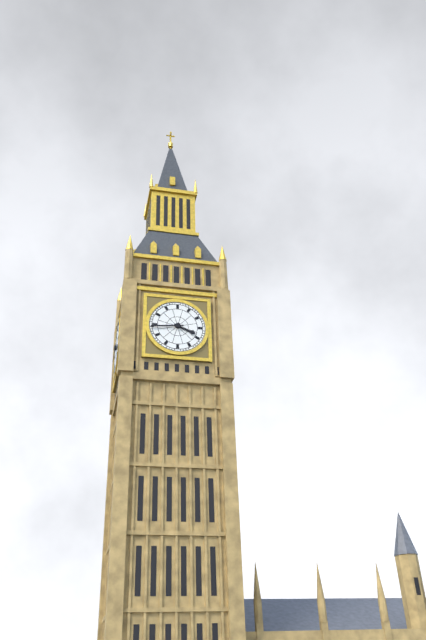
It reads 3:44
